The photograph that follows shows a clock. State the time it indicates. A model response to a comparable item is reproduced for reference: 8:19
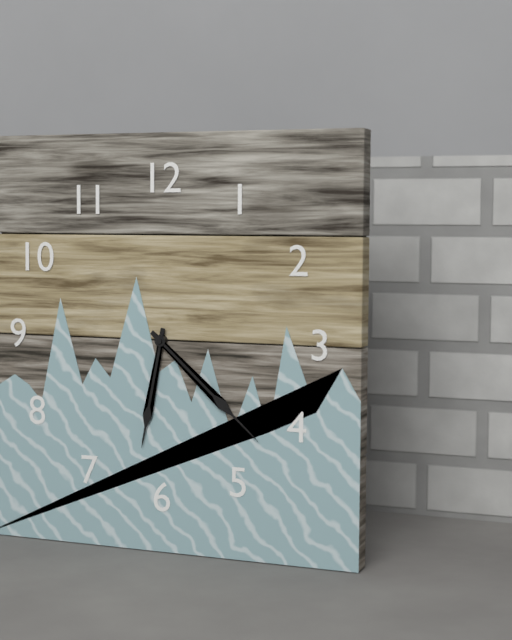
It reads 6:22
